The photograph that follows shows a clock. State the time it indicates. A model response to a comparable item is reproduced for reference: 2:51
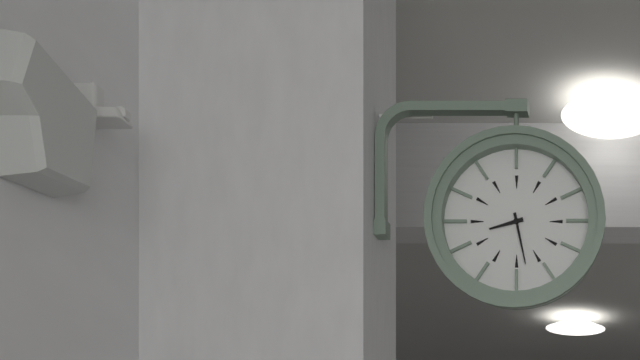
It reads 8:28
